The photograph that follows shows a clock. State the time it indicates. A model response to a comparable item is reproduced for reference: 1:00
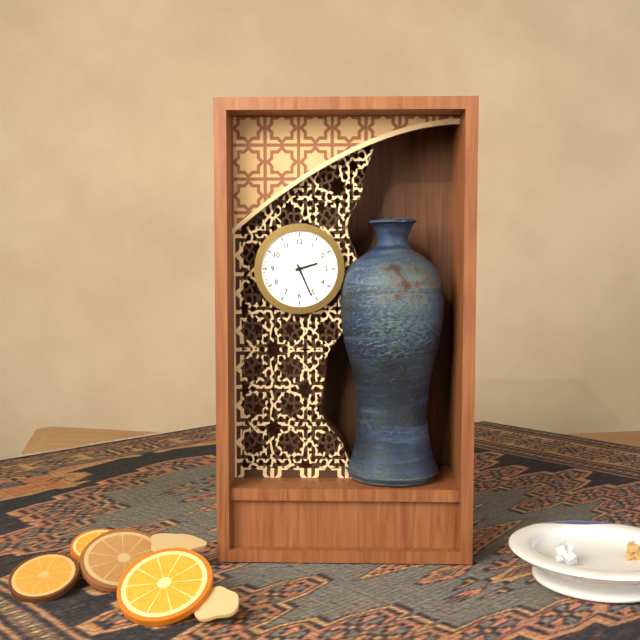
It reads 2:26
